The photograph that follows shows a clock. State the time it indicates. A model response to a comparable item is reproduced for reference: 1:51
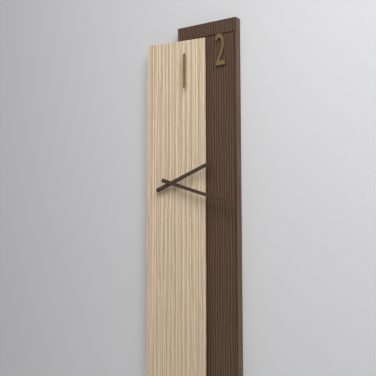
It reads 2:18
